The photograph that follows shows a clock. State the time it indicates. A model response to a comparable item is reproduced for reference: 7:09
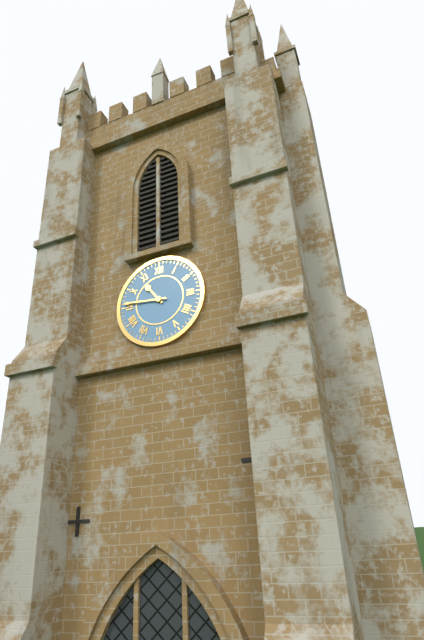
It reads 10:46
